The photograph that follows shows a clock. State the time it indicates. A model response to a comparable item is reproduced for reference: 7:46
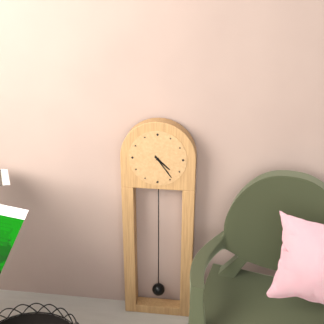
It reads 4:24
